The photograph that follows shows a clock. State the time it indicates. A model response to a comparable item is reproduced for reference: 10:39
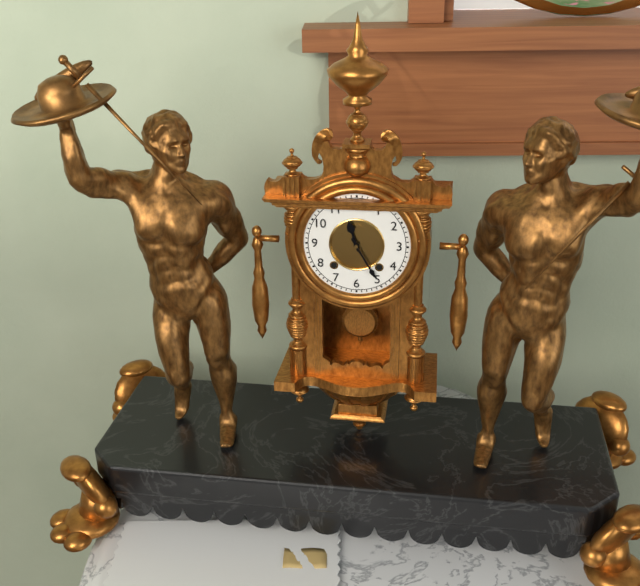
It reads 11:25
